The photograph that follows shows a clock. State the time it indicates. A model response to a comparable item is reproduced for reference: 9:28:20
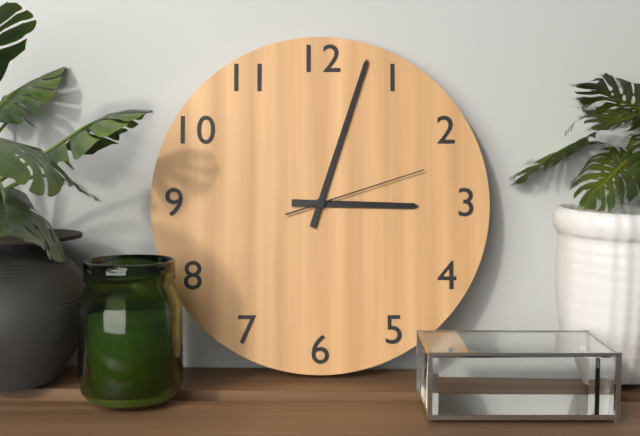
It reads 3:03:12
